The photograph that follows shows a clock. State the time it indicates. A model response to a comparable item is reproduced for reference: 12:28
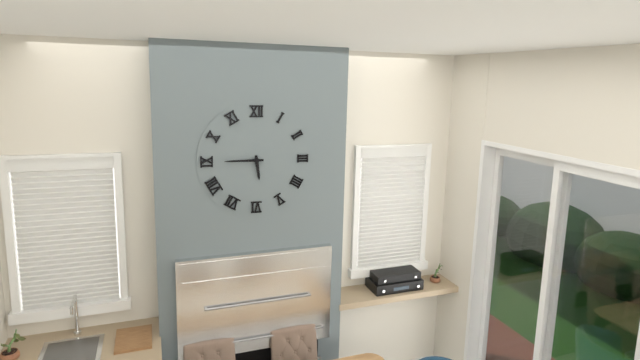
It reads 5:45
